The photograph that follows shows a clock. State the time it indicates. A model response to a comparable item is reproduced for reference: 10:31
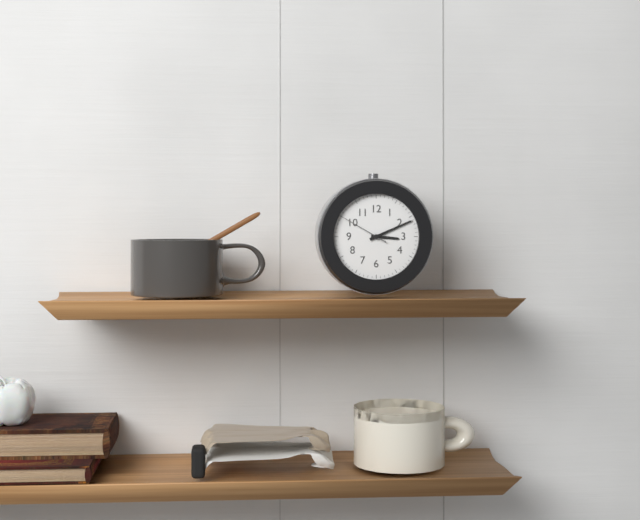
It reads 3:11
